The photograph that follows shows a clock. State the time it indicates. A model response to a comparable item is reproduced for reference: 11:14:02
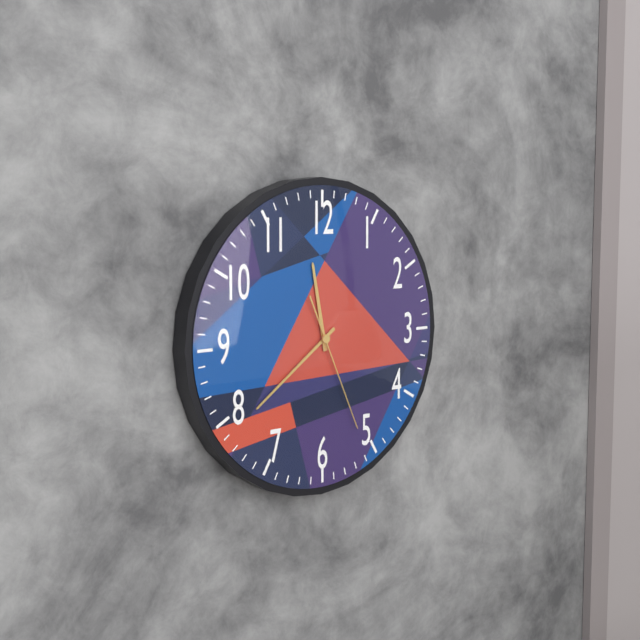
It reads 11:39:26
